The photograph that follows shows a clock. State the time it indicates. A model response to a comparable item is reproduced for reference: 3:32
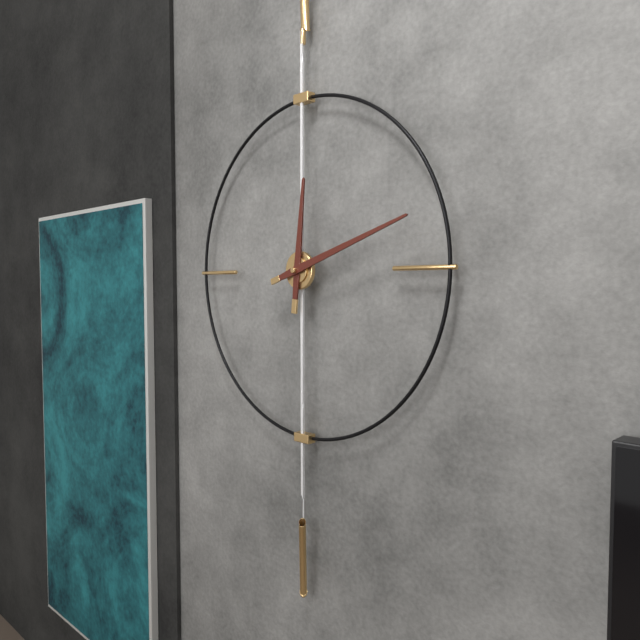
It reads 12:12
